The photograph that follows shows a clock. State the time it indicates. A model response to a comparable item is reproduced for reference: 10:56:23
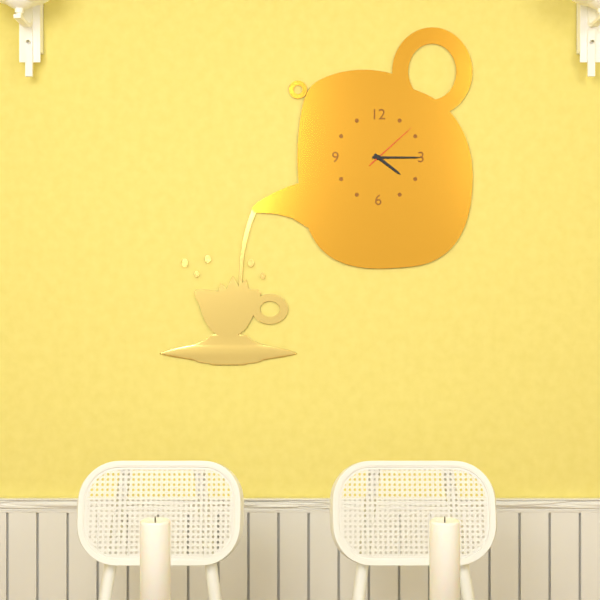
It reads 4:15:08
